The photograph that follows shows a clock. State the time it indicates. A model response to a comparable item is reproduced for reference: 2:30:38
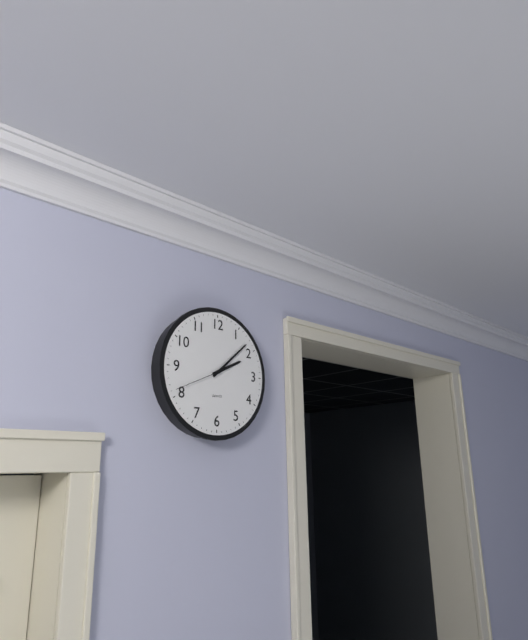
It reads 2:08:41
